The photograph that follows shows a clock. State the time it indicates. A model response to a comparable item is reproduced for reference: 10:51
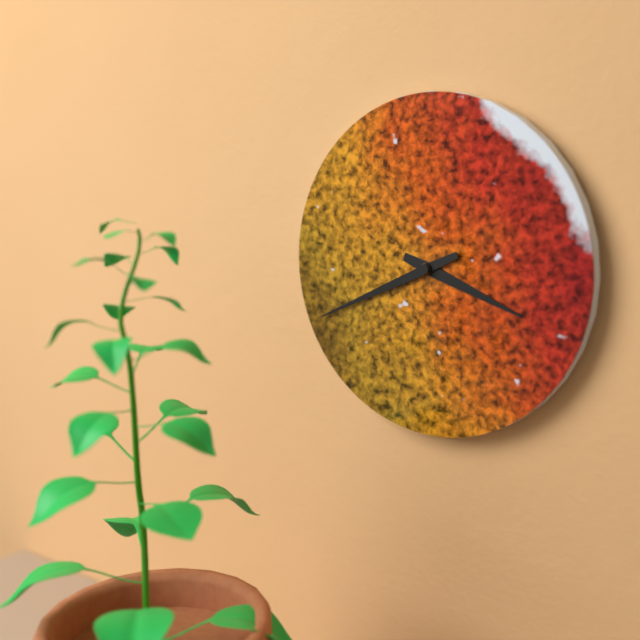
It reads 3:41
